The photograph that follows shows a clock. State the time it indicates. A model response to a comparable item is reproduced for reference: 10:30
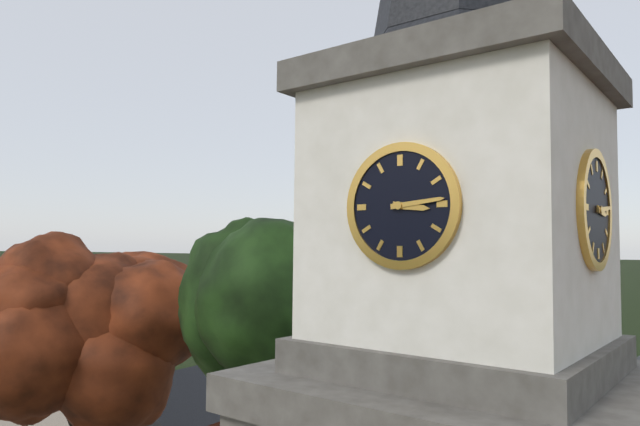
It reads 3:14
